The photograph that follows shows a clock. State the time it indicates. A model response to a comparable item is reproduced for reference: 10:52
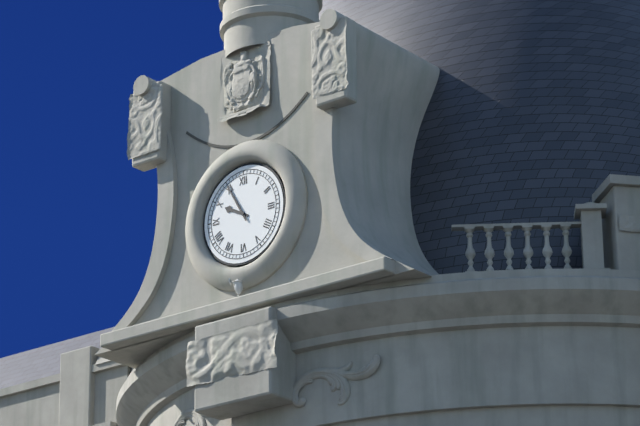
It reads 9:55
